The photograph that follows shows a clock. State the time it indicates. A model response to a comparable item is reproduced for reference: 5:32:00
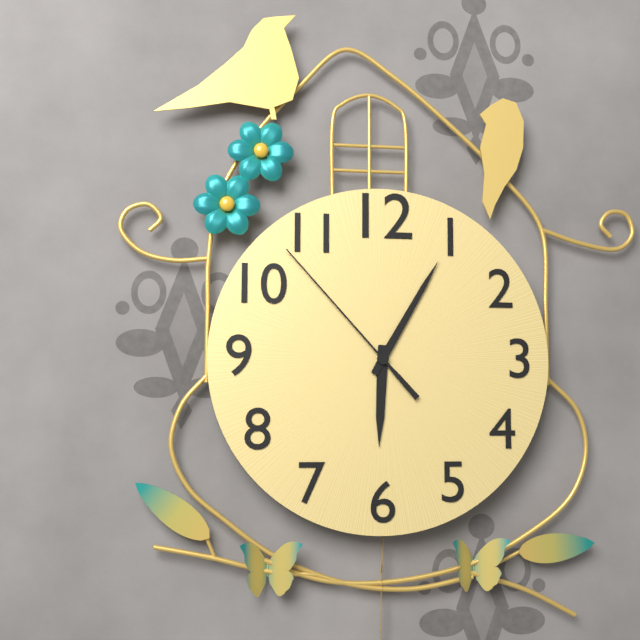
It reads 6:05:53
